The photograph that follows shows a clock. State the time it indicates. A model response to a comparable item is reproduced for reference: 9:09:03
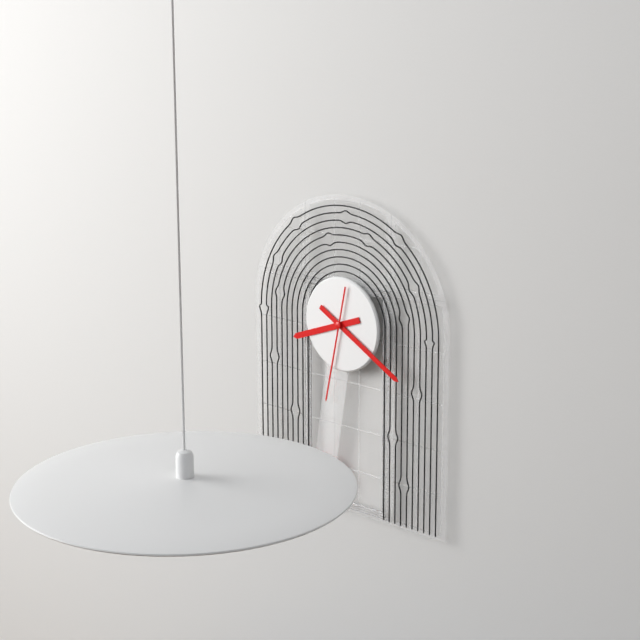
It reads 8:20:32
